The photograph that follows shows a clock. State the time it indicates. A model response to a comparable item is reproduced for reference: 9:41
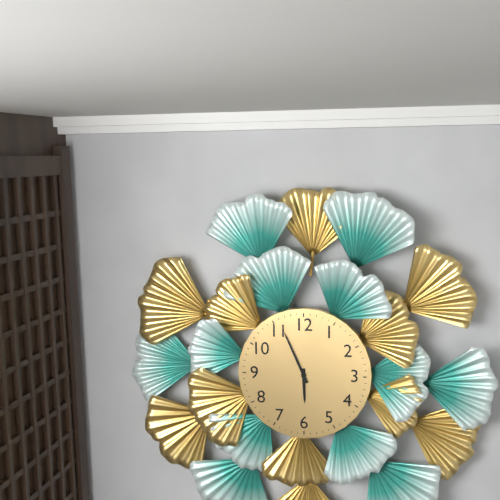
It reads 5:56
